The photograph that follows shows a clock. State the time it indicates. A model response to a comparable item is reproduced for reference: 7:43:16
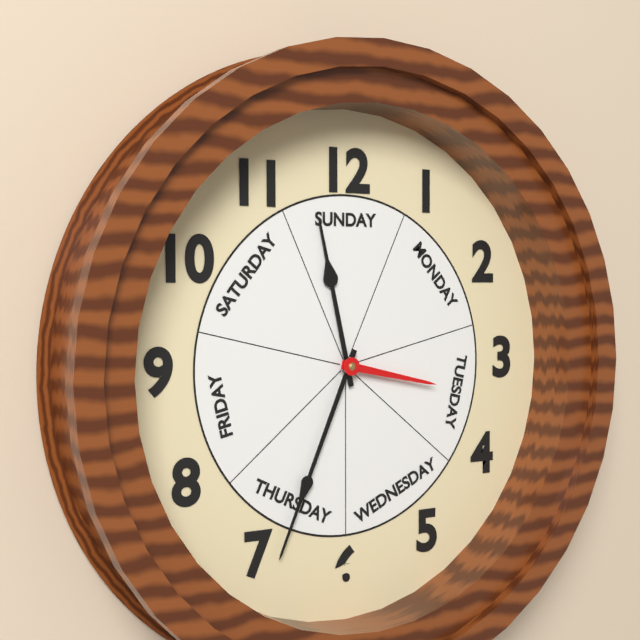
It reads 11:34:17
